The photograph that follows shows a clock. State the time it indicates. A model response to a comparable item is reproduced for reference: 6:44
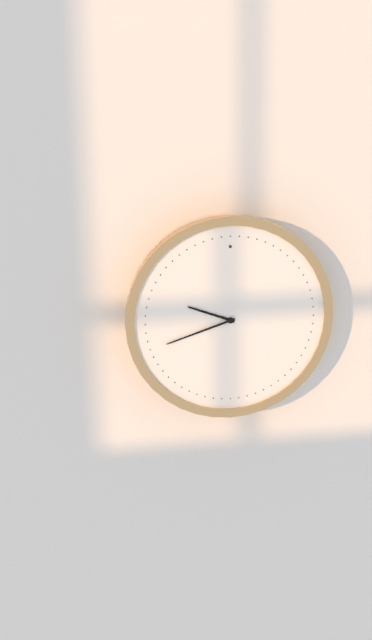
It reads 9:42
